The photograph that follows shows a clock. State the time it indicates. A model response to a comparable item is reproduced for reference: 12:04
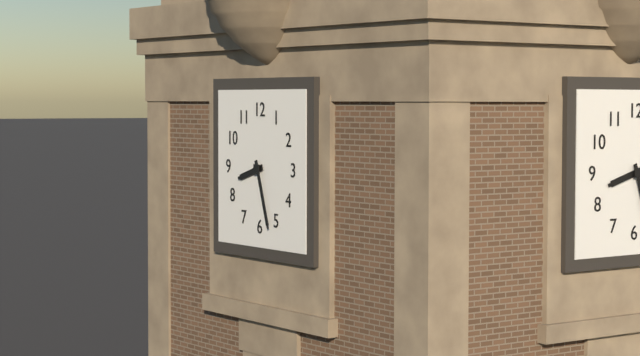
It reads 8:27
